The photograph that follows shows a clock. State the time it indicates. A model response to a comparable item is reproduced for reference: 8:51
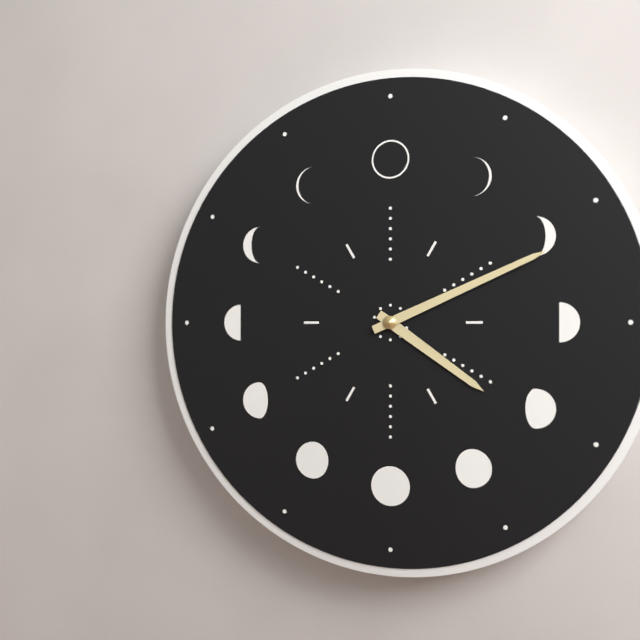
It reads 4:11
